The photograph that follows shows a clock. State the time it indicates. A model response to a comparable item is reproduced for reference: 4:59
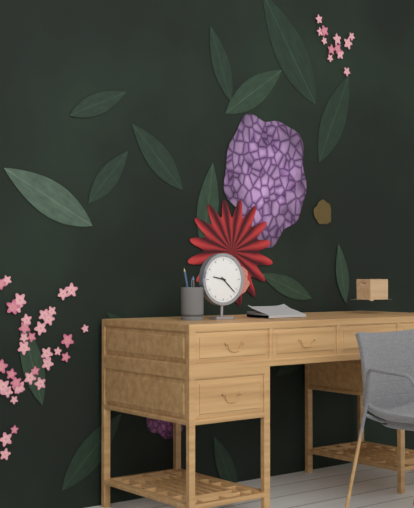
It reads 9:22
